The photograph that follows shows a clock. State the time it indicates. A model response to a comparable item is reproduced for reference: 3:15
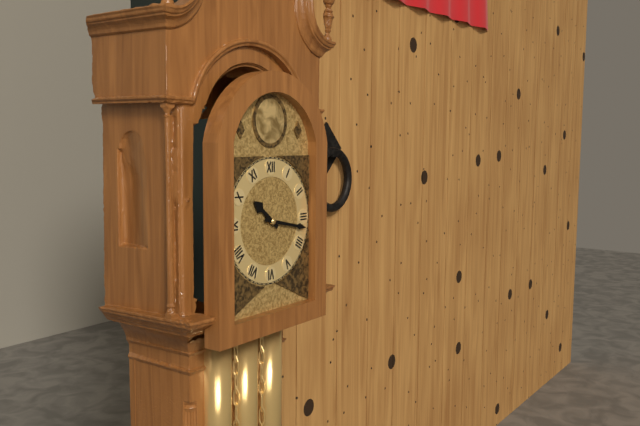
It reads 10:17
